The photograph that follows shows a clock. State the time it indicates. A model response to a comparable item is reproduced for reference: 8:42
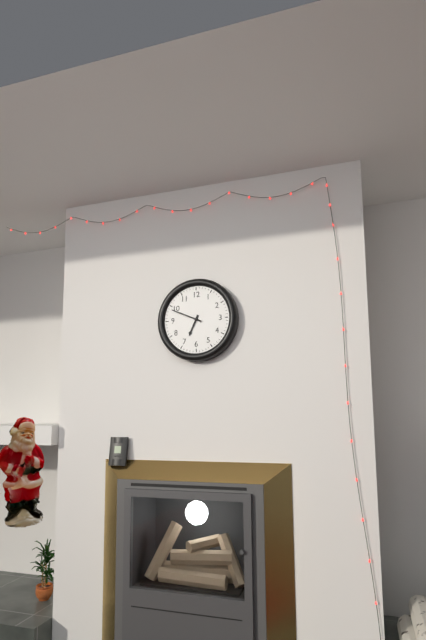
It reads 6:49
